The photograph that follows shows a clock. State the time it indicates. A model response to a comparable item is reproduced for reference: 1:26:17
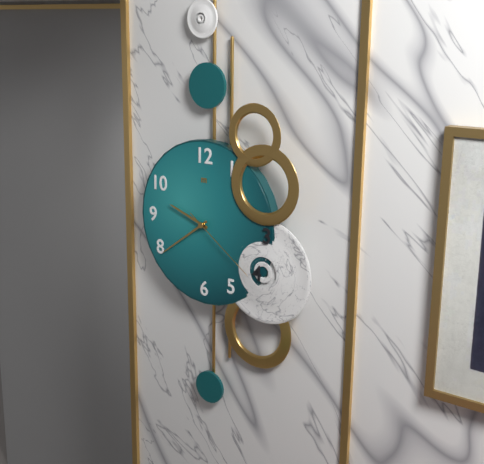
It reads 9:39:21
